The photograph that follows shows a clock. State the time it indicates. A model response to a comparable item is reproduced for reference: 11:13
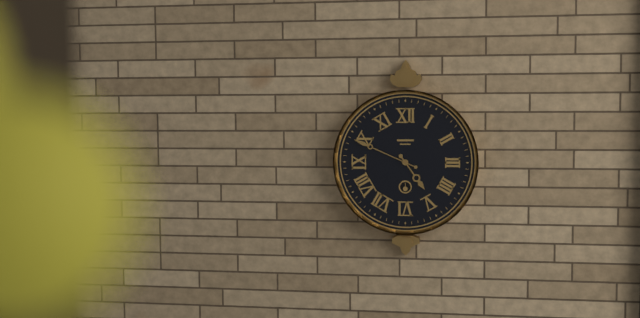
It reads 4:49
